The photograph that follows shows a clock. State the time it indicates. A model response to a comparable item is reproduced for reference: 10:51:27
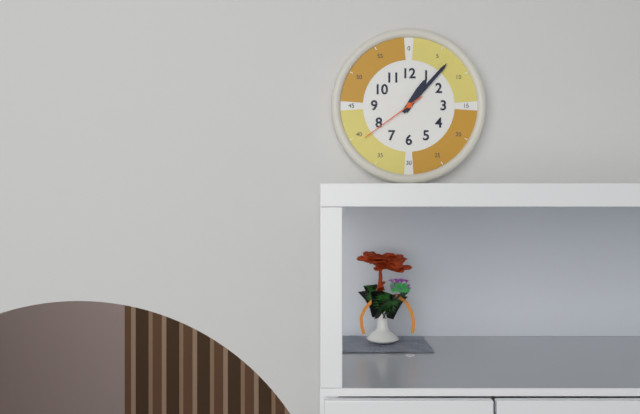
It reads 1:07:39
